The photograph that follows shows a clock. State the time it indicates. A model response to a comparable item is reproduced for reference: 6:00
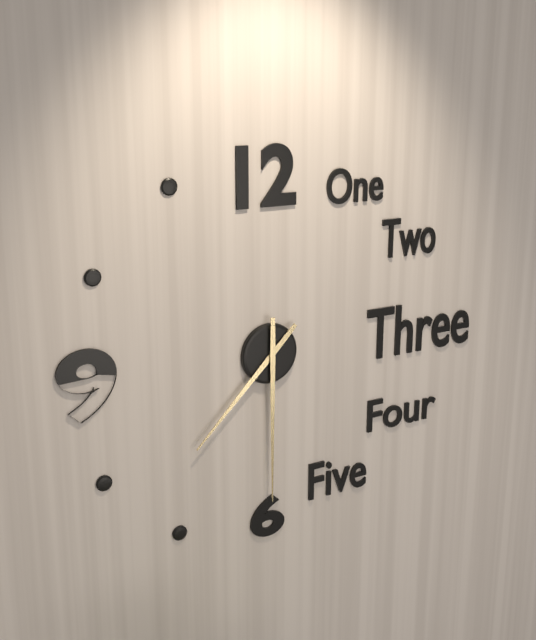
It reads 7:30
